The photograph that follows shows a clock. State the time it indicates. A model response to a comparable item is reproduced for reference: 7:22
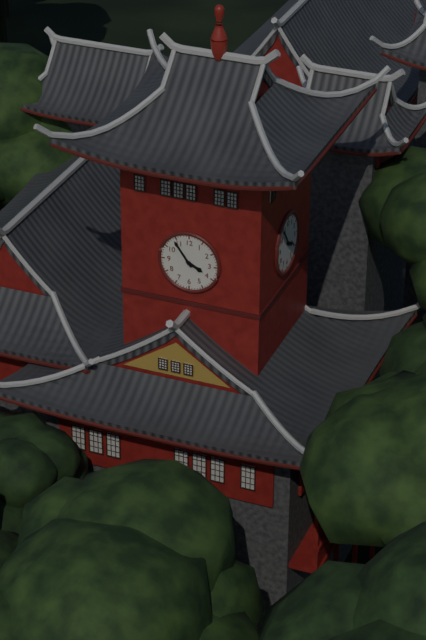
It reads 3:54
